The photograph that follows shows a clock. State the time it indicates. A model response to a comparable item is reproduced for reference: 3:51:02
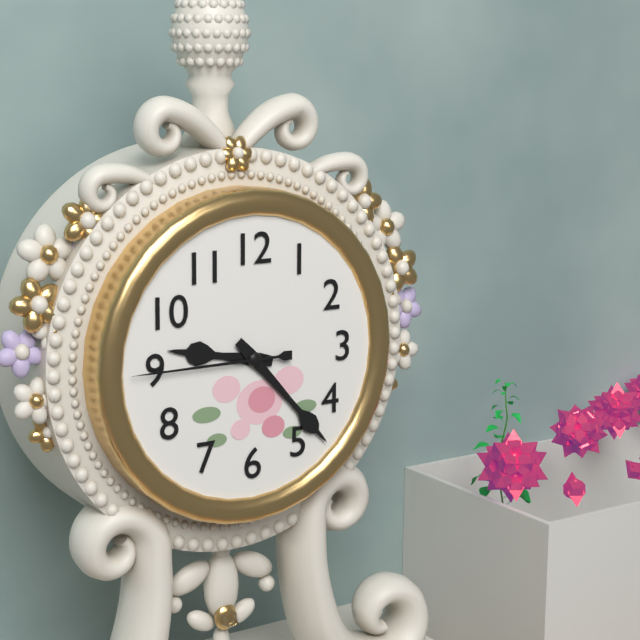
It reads 9:23:45
